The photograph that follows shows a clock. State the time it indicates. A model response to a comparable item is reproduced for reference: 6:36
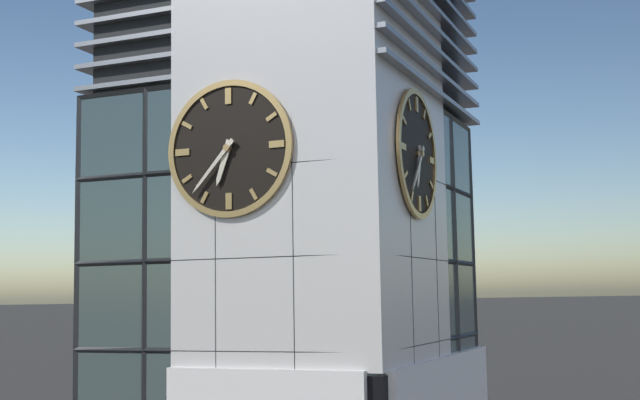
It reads 6:37
